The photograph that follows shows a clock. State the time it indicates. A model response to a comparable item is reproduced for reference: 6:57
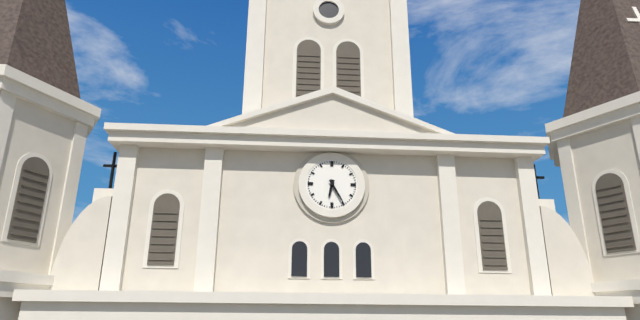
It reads 6:25
